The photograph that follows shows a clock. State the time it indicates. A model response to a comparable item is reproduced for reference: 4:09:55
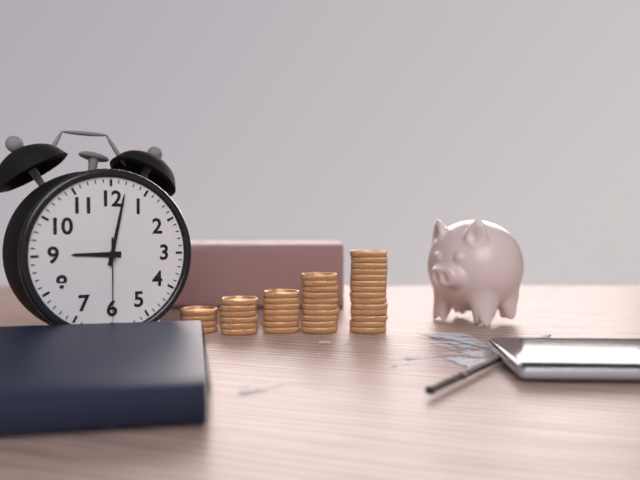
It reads 9:02:30
